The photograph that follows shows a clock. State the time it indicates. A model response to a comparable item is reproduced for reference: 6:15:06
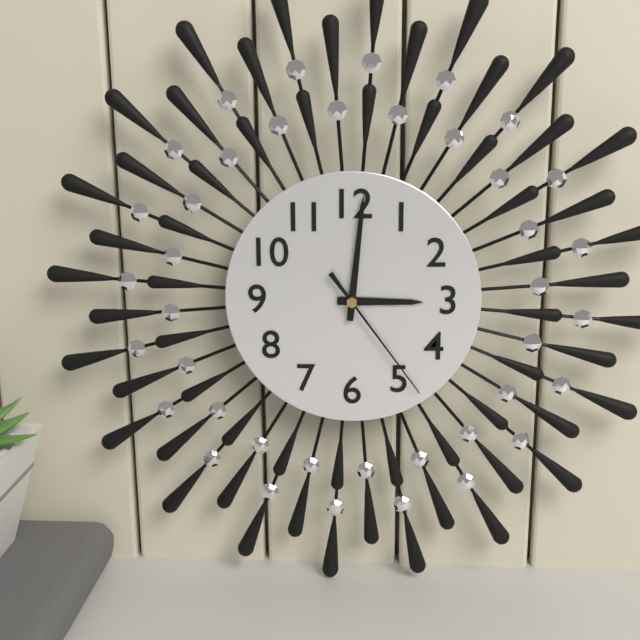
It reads 3:01:24
